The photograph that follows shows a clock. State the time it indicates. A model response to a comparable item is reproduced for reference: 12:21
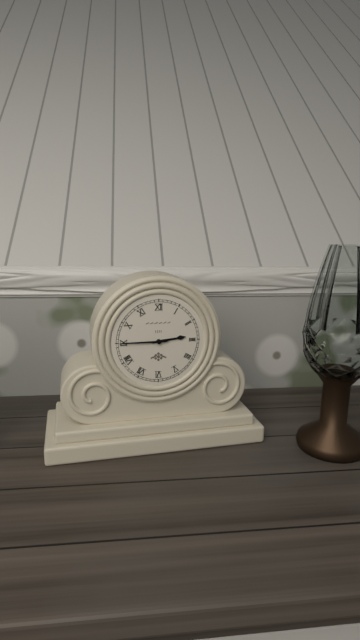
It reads 2:45
